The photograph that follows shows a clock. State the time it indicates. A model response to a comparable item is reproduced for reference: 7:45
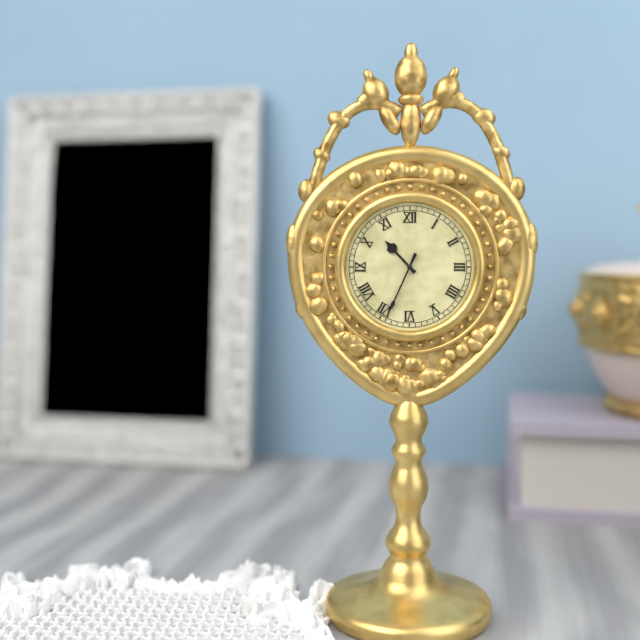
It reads 10:34
